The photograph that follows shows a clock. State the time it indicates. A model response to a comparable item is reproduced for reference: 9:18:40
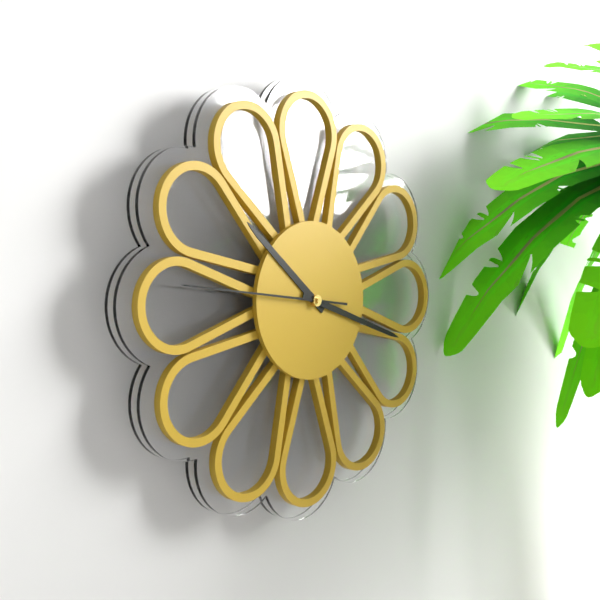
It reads 10:18:46
